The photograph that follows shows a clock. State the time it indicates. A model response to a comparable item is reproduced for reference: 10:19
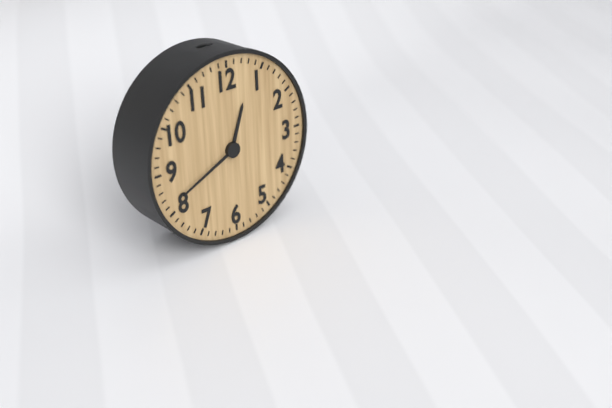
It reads 12:41
